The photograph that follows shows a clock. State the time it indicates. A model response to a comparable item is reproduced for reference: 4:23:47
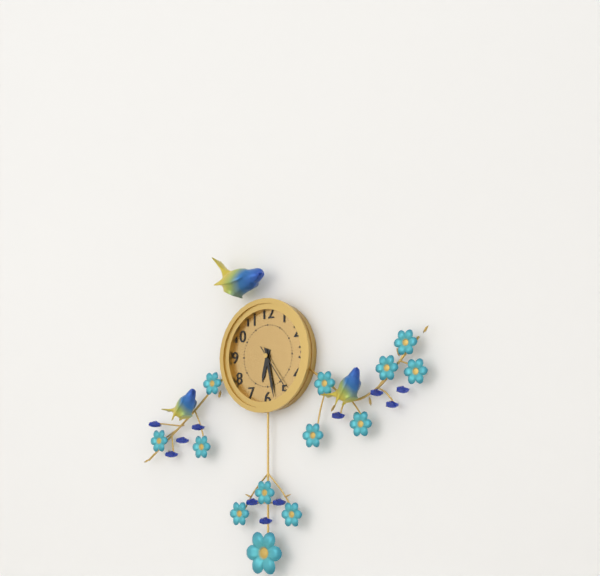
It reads 6:28:24
